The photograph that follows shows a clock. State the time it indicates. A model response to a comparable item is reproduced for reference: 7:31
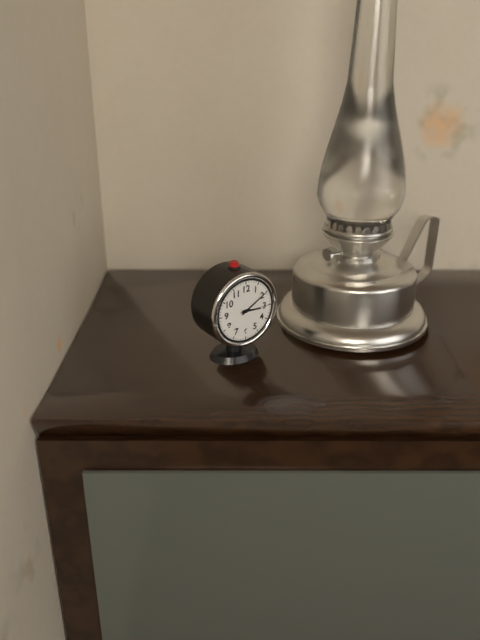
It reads 3:10
